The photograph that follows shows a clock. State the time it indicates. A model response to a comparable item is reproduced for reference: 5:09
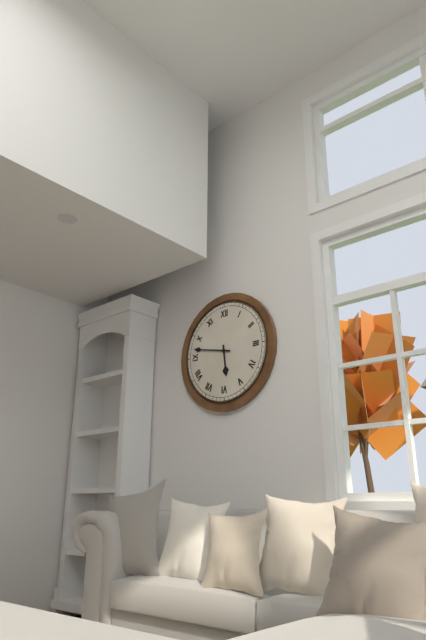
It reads 5:47
